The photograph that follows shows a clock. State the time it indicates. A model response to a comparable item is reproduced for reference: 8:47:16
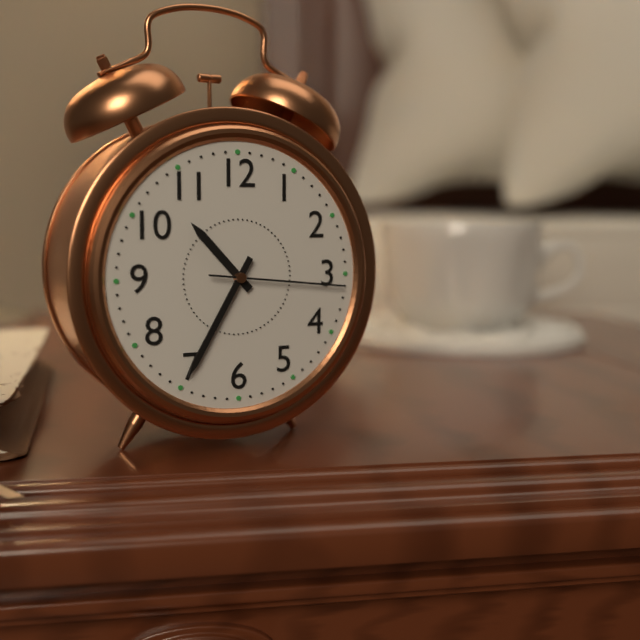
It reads 10:35:16
